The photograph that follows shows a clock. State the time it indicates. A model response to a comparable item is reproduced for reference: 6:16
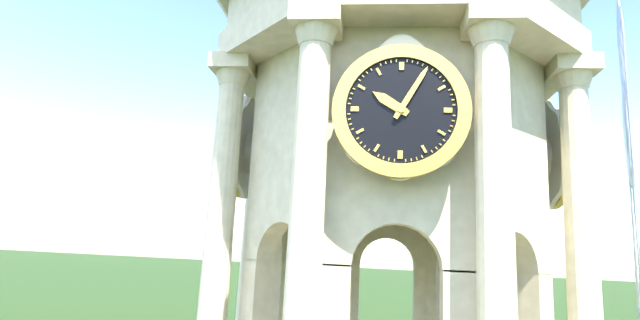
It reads 10:05
